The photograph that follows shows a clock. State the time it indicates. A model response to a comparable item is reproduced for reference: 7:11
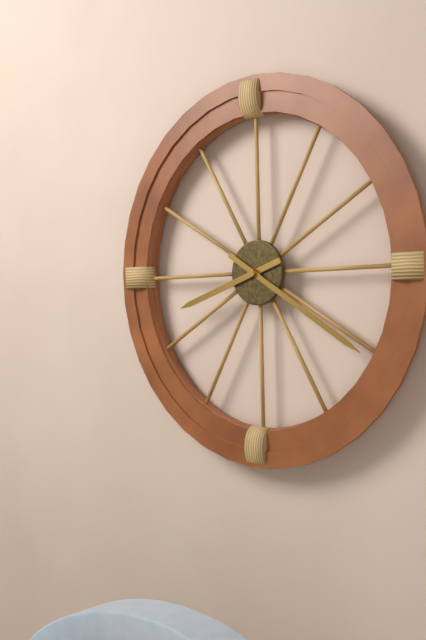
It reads 8:20
